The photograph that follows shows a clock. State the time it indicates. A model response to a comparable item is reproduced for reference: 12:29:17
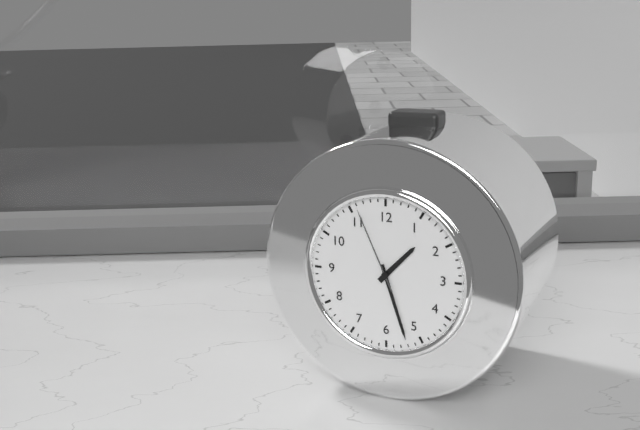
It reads 1:27:56
